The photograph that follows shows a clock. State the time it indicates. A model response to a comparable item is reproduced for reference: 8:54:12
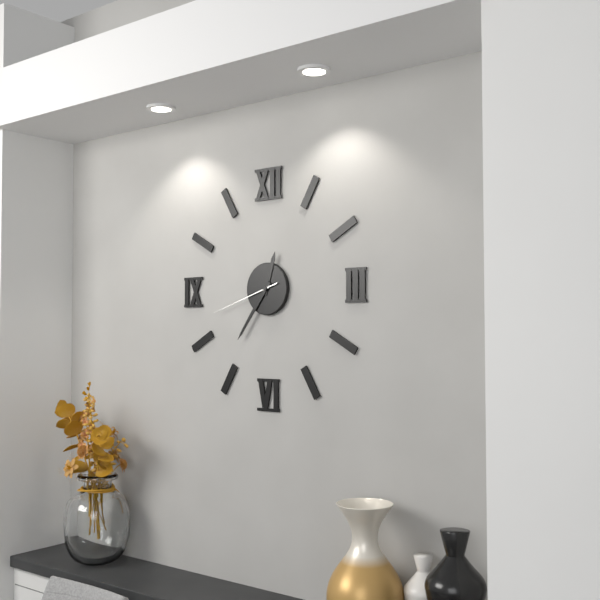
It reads 12:36:42
